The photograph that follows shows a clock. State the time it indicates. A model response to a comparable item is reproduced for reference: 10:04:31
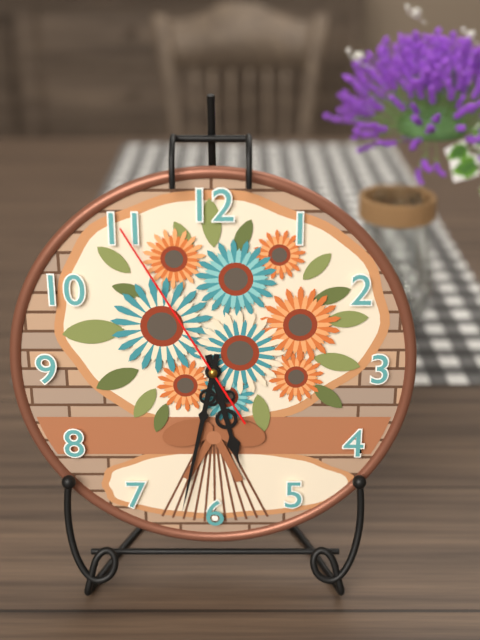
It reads 5:32:55
